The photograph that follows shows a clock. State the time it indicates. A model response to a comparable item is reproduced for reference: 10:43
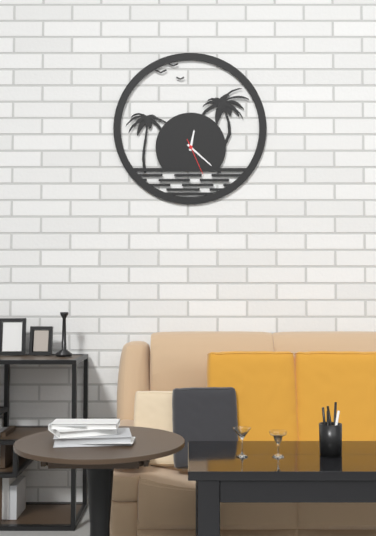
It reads 12:22
